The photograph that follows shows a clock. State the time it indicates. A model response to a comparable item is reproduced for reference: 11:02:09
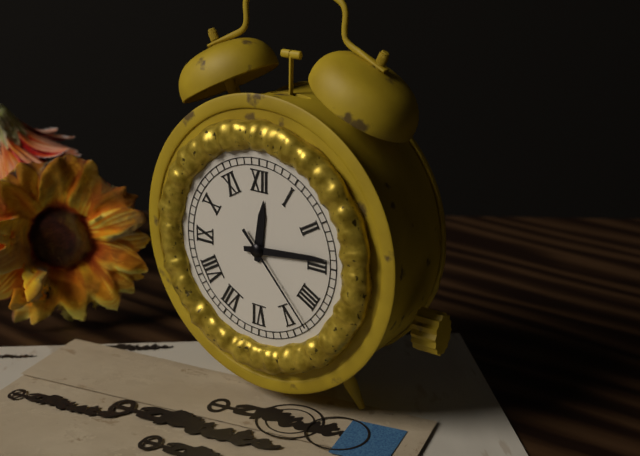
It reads 12:14:23
